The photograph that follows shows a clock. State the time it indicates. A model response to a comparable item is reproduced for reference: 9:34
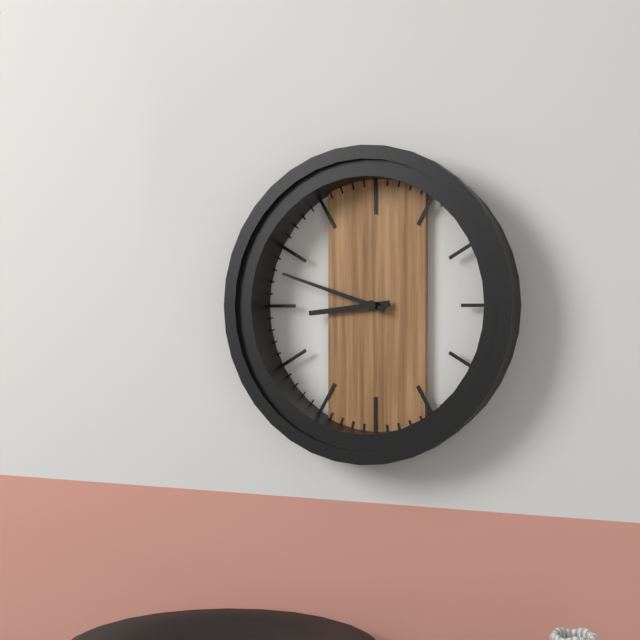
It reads 8:48
